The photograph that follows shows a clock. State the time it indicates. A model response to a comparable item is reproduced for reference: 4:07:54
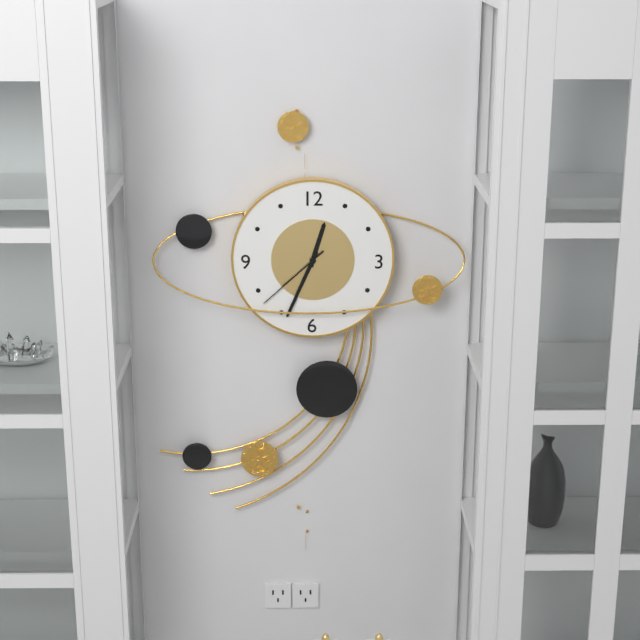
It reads 12:34:38
